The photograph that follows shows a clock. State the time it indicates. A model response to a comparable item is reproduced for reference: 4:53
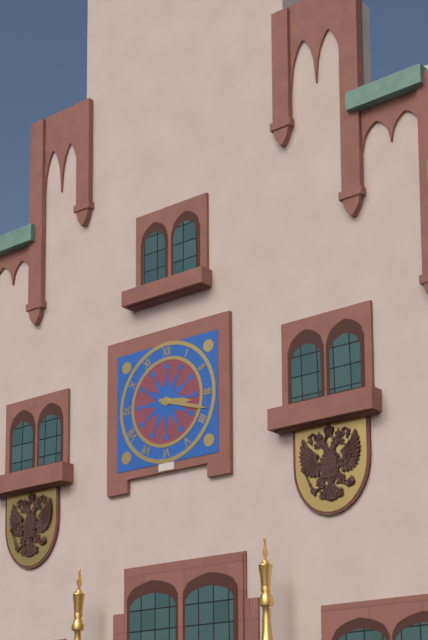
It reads 3:18
